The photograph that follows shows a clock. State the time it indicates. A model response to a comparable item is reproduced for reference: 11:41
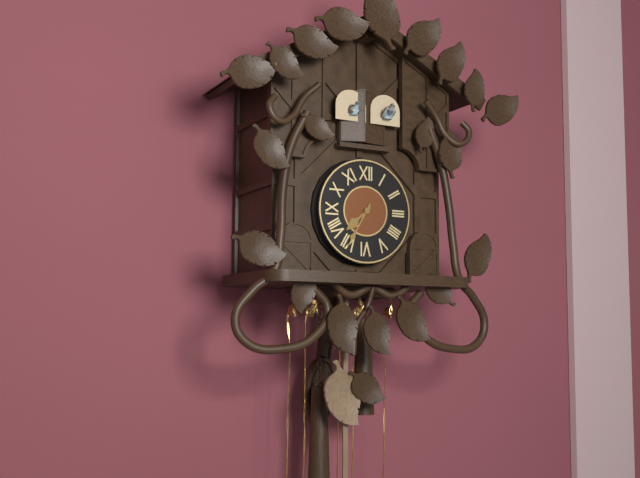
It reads 7:35
